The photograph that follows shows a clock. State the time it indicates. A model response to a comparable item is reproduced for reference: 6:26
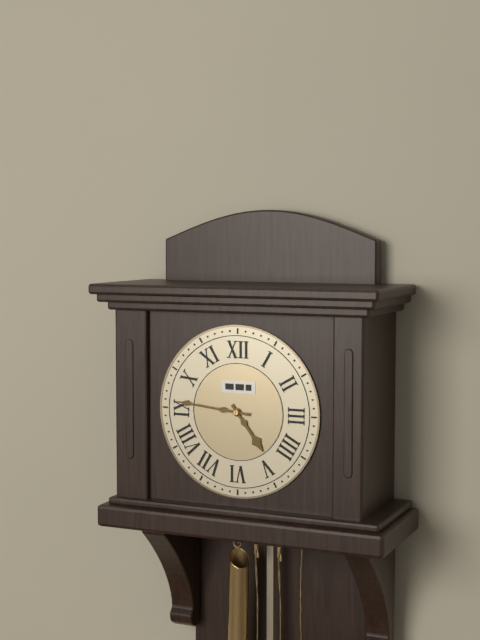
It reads 4:46
